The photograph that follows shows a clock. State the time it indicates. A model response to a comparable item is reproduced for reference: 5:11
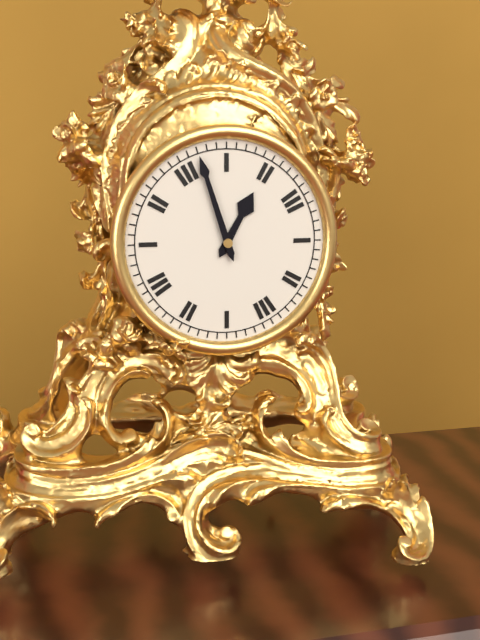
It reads 12:57
